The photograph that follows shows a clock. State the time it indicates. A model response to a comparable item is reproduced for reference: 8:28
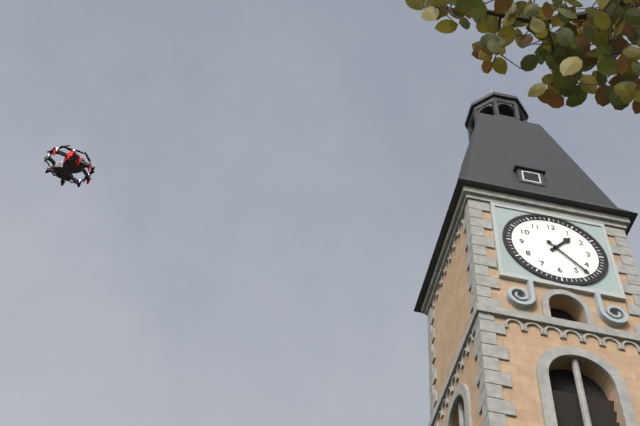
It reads 1:23
